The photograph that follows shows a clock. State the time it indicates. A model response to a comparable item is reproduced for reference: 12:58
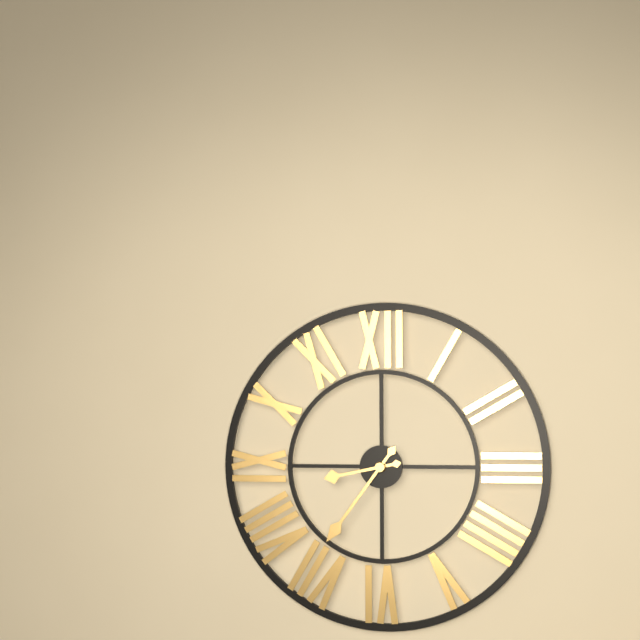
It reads 8:36
